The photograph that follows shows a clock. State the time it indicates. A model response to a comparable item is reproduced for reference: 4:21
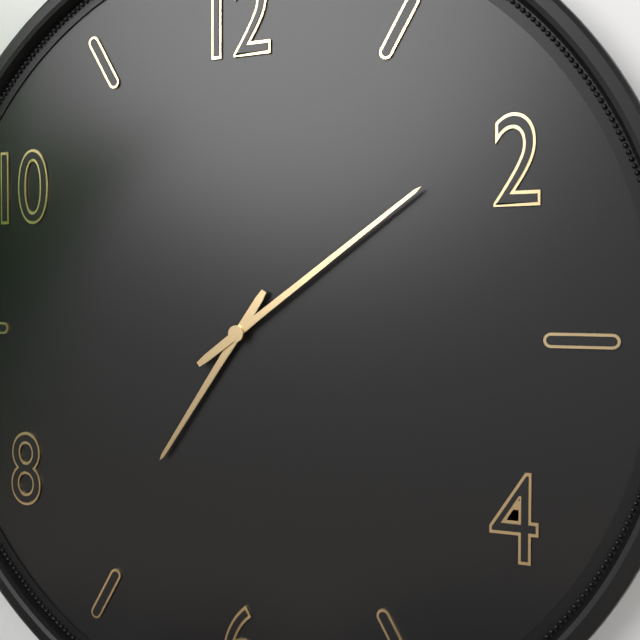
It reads 7:09
